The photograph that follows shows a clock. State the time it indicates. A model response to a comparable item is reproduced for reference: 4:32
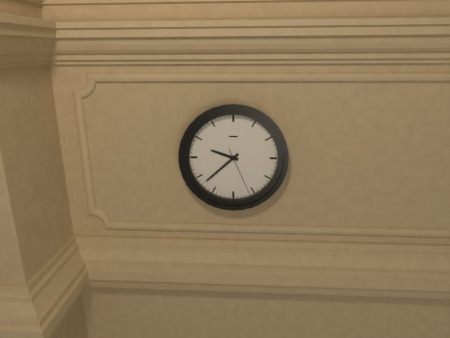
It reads 9:38
